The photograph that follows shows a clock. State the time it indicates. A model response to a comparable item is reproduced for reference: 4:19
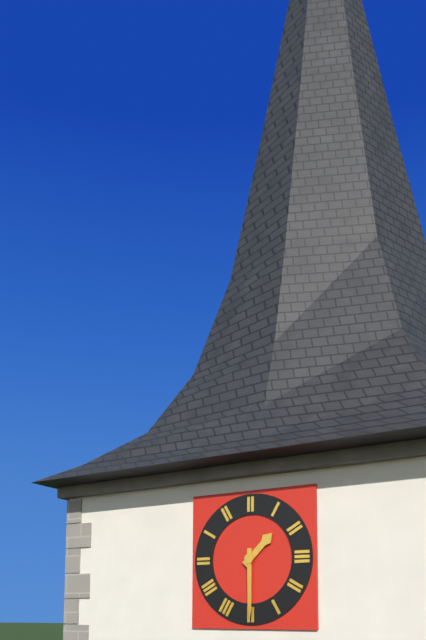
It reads 1:30
